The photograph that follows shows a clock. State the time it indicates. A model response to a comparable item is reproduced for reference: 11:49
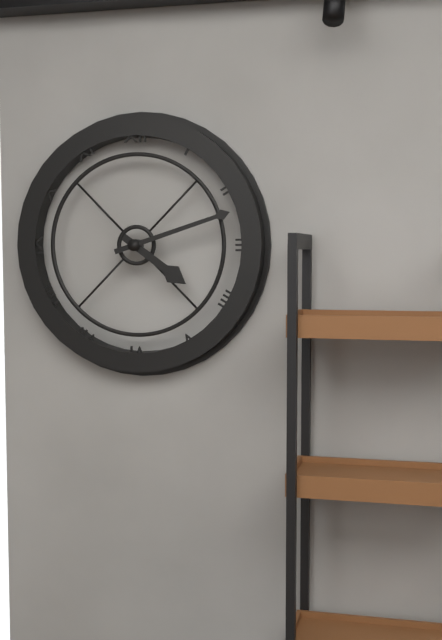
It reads 4:12
